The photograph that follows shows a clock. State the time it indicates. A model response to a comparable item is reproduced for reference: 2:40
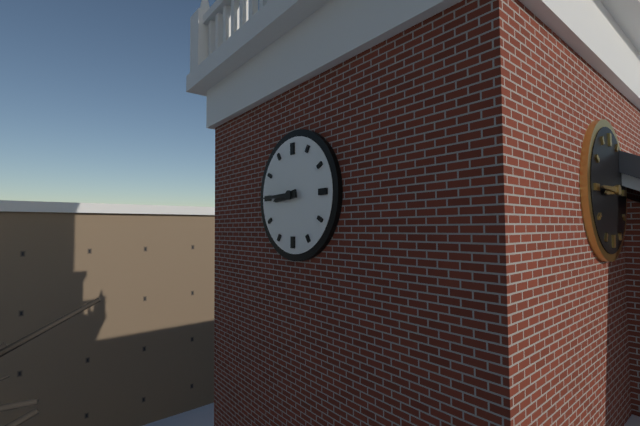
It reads 8:45
